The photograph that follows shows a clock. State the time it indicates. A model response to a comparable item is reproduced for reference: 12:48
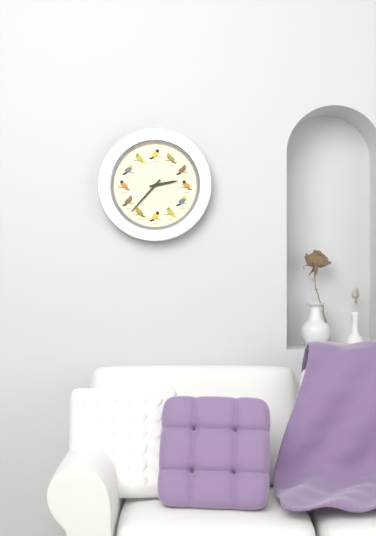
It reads 2:37
